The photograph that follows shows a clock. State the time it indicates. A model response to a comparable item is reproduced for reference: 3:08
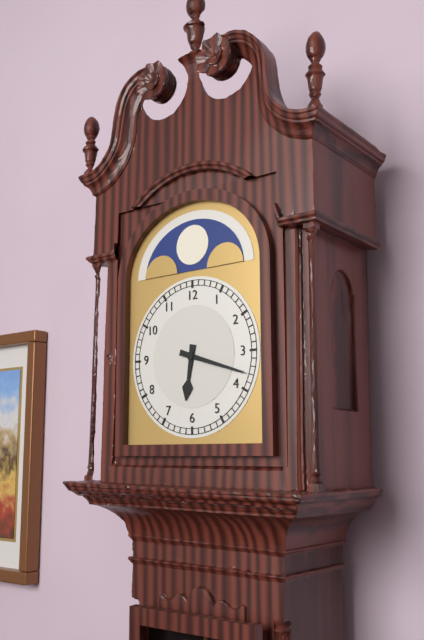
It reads 6:18
